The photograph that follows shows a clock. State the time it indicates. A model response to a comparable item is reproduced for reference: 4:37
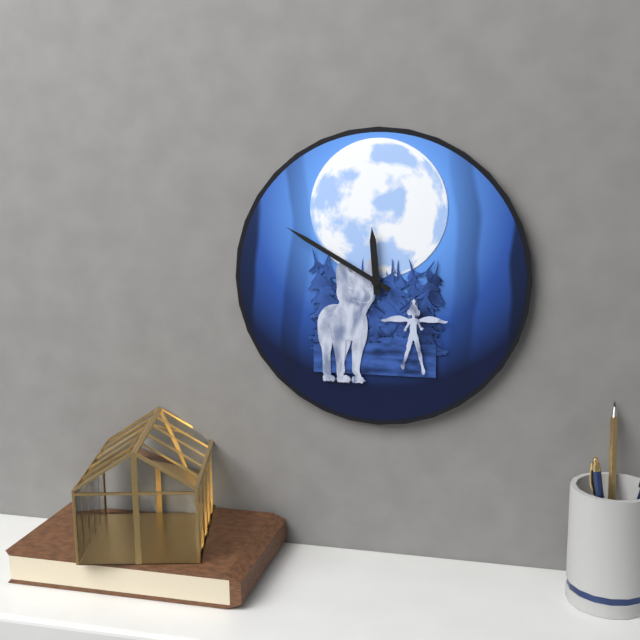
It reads 11:50
